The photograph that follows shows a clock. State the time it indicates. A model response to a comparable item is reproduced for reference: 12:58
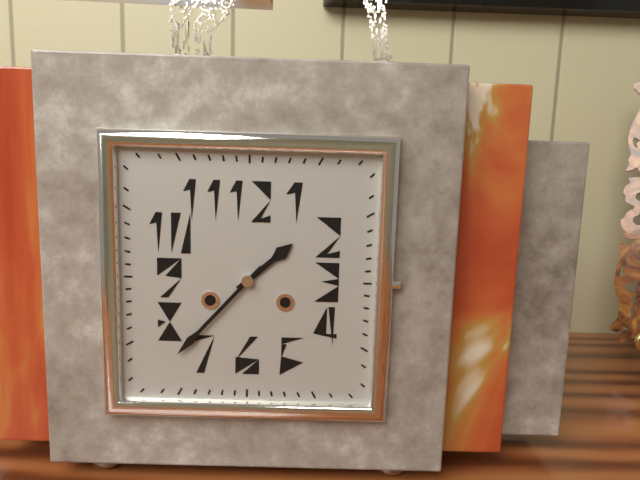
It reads 1:37
